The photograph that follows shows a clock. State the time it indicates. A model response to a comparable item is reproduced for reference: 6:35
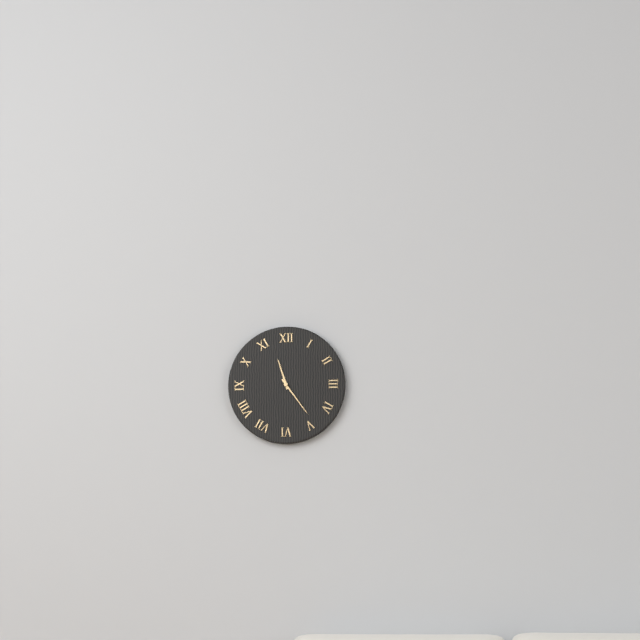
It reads 11:24
